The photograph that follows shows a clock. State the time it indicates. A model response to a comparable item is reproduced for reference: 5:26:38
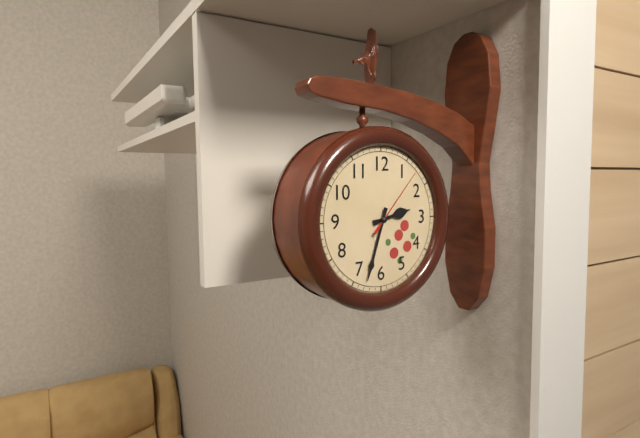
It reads 2:33:07
